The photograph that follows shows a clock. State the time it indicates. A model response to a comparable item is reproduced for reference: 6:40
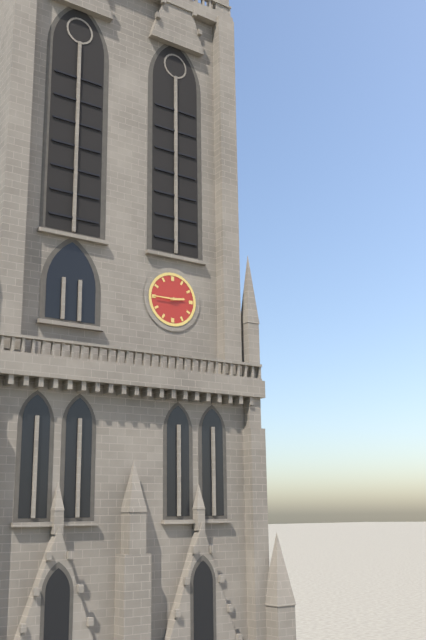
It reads 2:45
